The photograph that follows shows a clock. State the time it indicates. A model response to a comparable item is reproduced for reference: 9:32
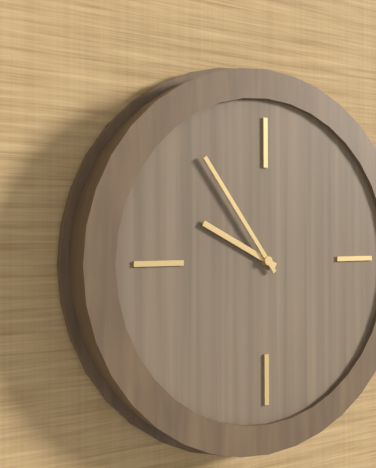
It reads 9:54
